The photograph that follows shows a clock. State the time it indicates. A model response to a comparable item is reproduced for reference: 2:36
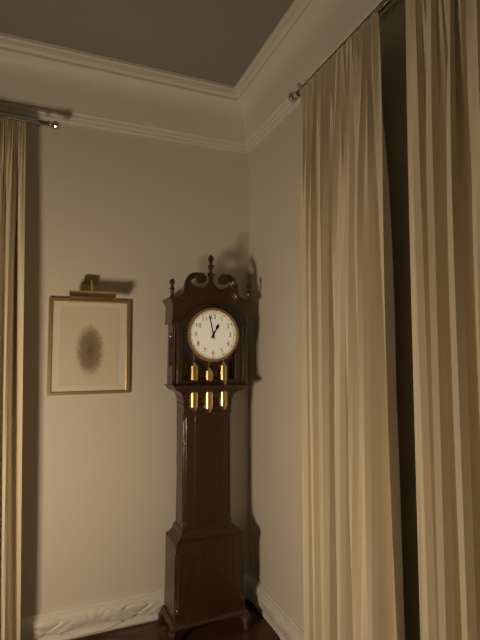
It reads 12:58
